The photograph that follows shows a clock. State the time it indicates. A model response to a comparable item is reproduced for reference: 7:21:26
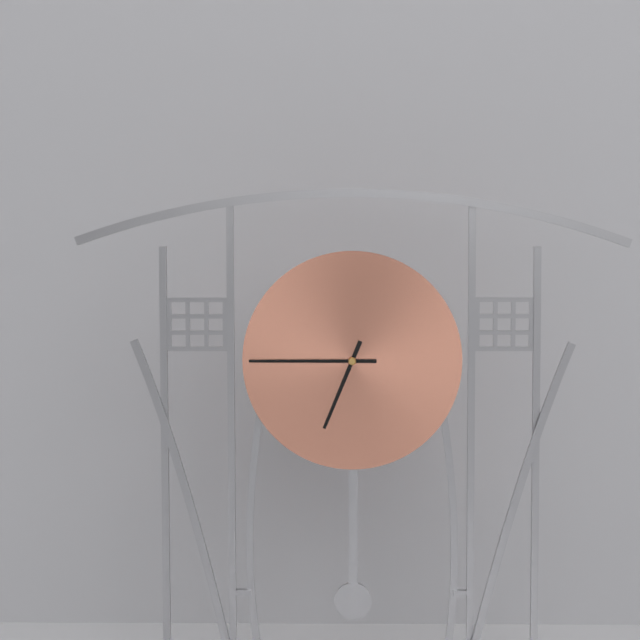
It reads 6:45:45
